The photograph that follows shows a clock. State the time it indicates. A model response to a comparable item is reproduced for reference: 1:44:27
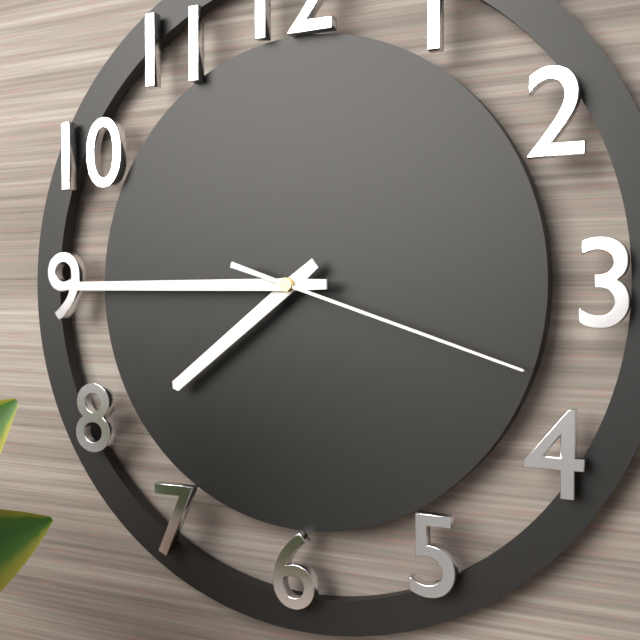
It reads 7:45:18
